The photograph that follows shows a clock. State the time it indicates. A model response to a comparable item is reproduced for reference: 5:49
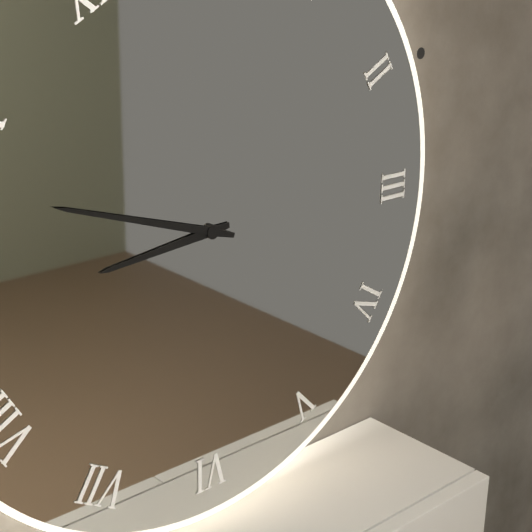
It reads 8:48
